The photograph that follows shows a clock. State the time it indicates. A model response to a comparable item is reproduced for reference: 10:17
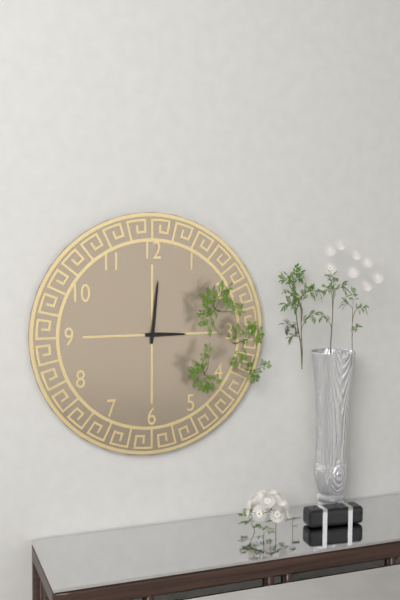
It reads 3:01
